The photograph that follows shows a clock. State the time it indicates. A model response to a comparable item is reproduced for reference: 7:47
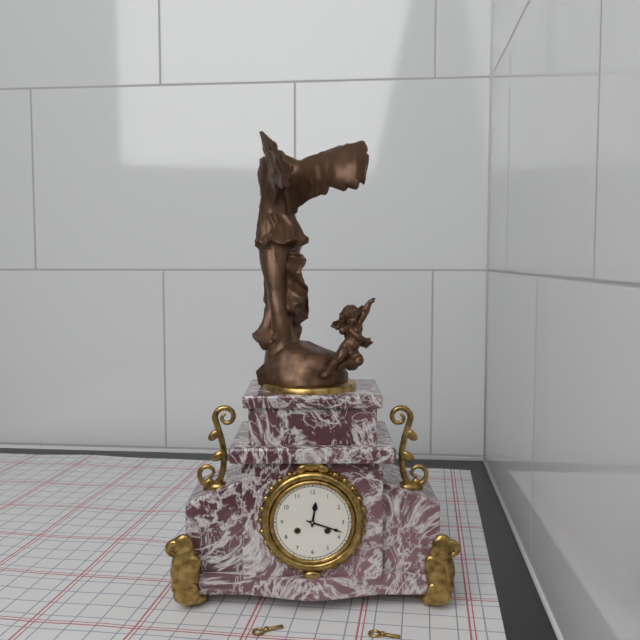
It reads 12:18
